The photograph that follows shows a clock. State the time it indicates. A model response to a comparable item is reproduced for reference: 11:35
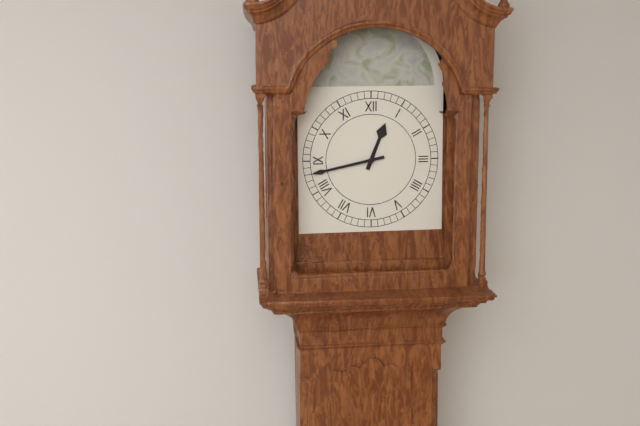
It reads 12:43
